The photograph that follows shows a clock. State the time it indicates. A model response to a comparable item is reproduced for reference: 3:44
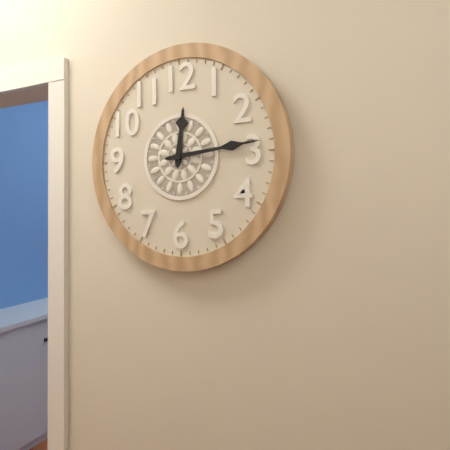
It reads 12:14
